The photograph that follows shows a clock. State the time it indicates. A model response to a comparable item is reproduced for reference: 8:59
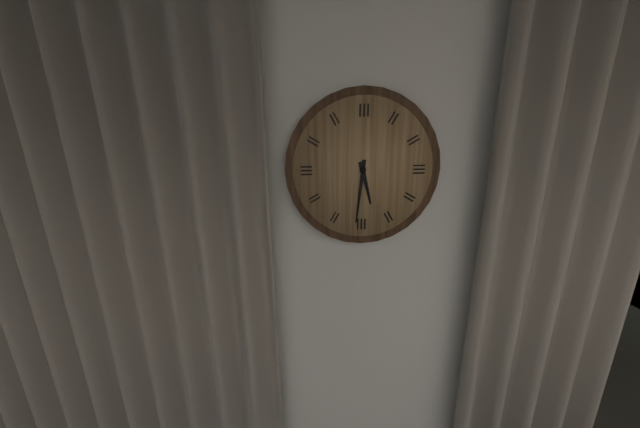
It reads 5:31
